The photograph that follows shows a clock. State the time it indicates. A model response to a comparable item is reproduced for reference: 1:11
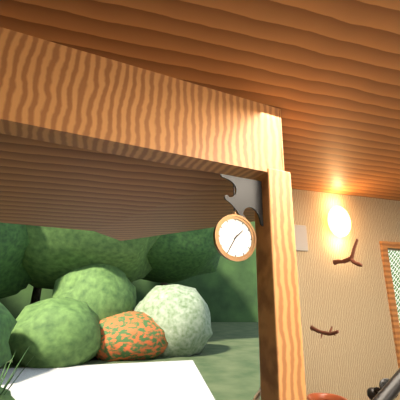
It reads 1:35
